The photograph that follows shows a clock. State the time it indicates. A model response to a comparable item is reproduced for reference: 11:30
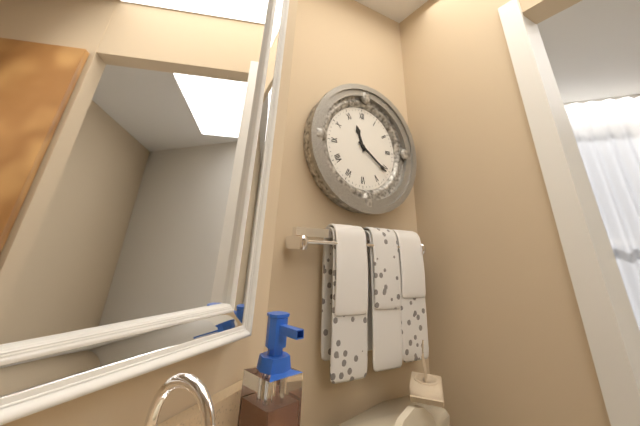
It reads 11:21
